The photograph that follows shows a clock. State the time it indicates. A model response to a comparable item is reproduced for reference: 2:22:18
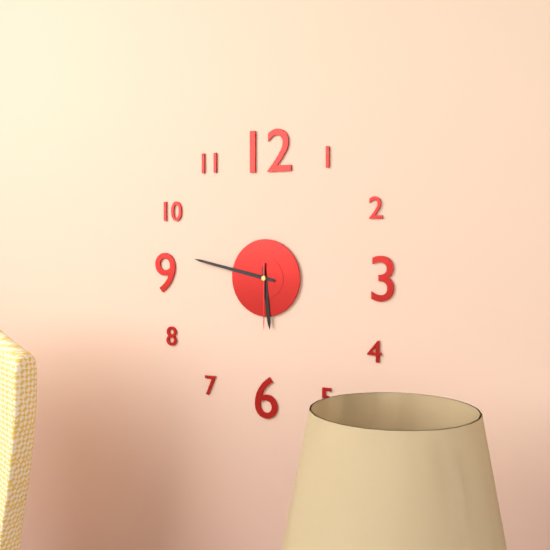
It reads 5:47:30
